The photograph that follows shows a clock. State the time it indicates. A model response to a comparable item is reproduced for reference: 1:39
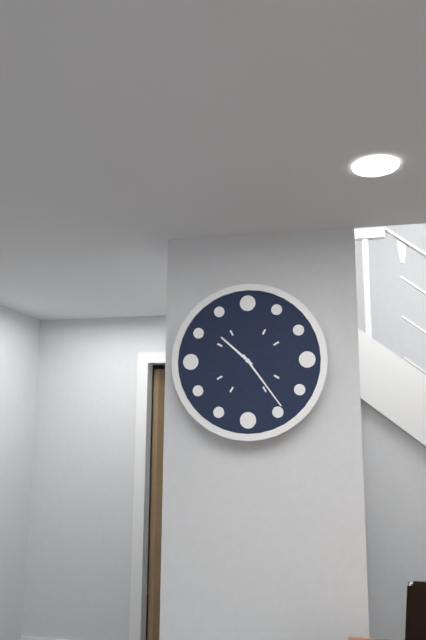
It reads 10:24
